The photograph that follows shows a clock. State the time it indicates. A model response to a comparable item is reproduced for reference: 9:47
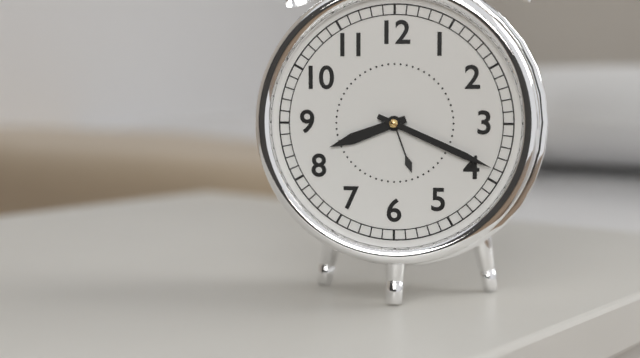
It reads 8:19
